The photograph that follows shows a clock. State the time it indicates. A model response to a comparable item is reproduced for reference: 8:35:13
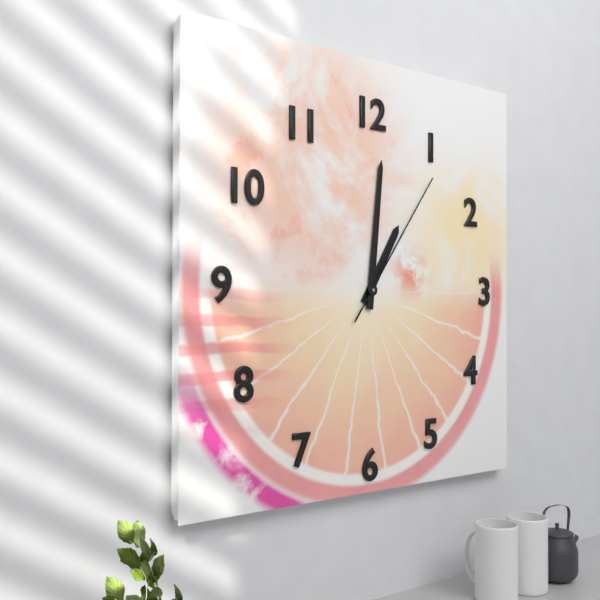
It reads 1:01:06
